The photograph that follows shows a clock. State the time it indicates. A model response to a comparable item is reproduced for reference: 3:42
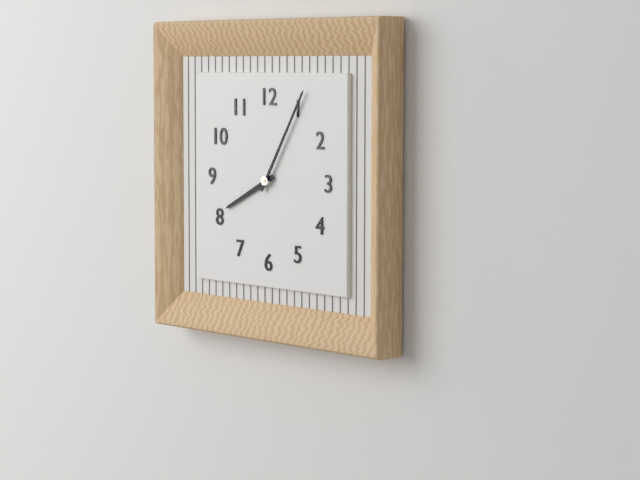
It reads 8:05
